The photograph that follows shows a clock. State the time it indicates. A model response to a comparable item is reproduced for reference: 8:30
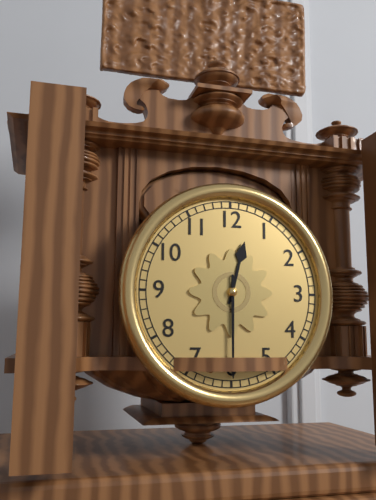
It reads 12:30
